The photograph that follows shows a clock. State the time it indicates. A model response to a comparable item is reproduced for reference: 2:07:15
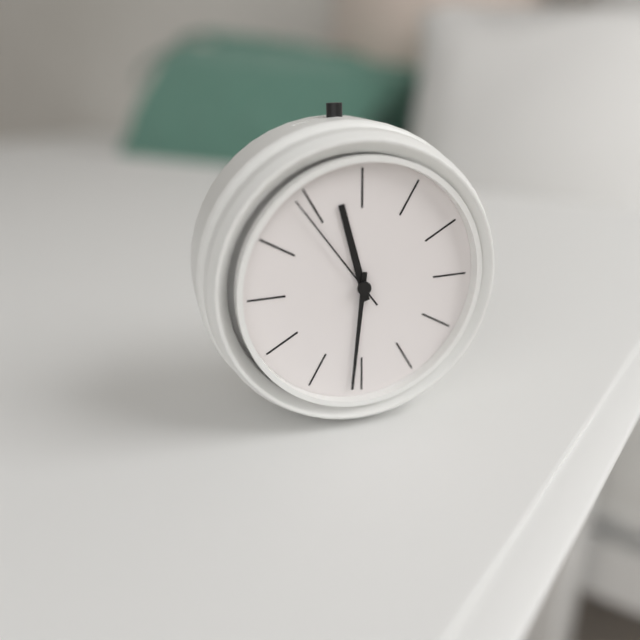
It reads 11:31:54
